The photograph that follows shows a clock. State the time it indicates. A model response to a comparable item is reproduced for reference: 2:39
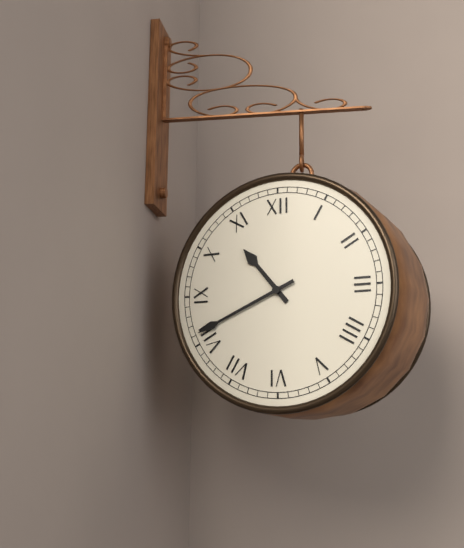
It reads 10:41
